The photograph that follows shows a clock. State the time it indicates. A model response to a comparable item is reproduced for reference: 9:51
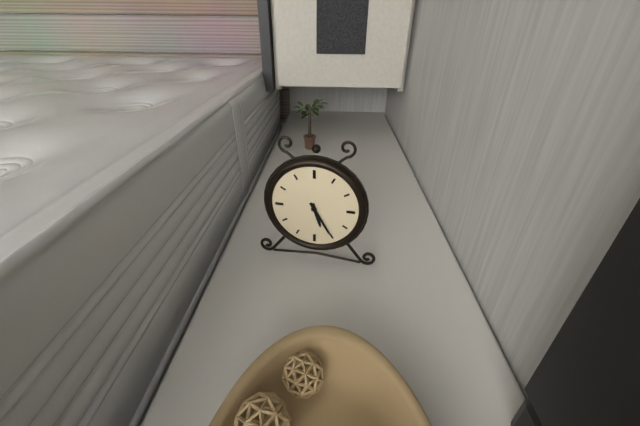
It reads 5:25
